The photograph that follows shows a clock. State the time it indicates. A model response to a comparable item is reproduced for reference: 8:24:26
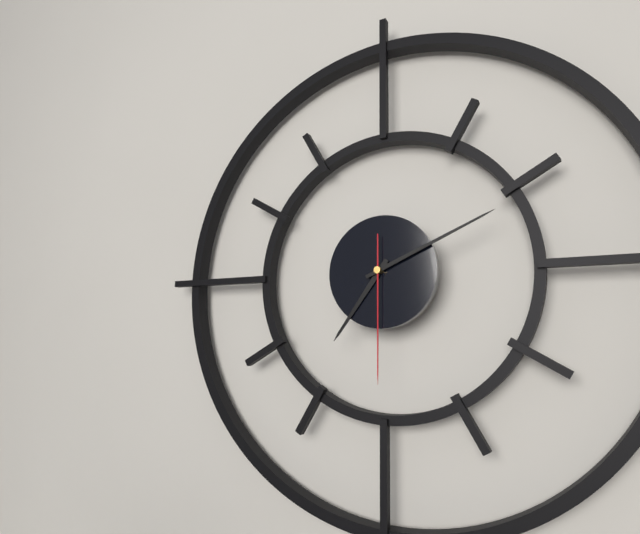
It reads 7:11:30
